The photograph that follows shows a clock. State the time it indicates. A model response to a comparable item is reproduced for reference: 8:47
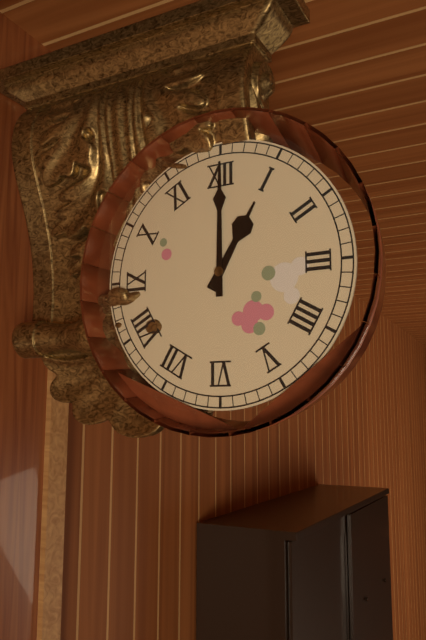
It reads 1:00
